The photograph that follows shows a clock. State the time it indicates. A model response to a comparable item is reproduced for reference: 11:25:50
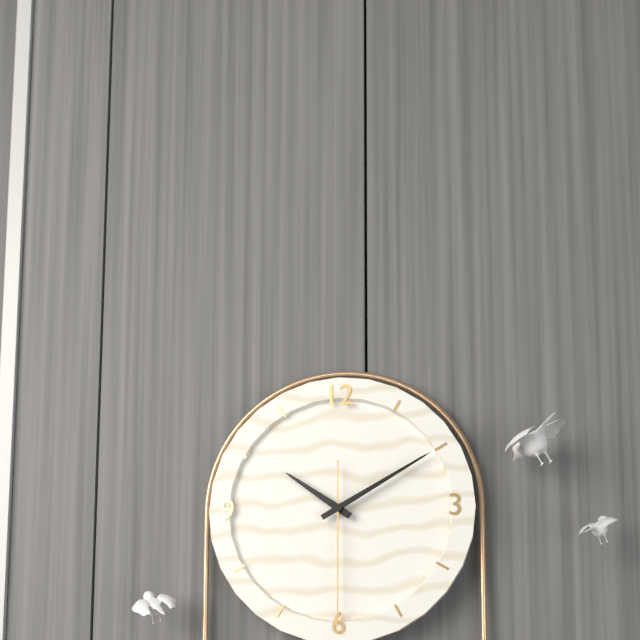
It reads 10:10:30
